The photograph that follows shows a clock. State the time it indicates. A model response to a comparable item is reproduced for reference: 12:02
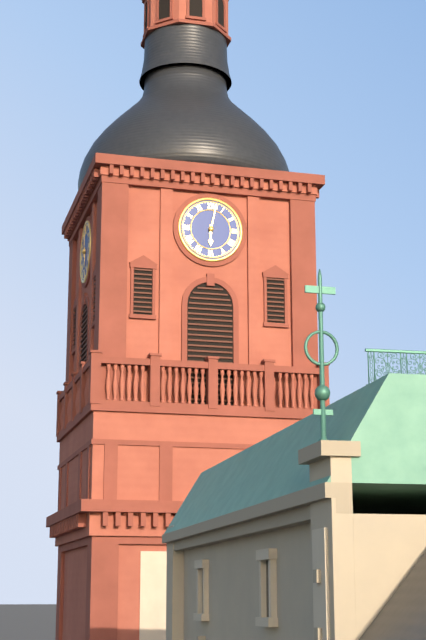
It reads 6:02
